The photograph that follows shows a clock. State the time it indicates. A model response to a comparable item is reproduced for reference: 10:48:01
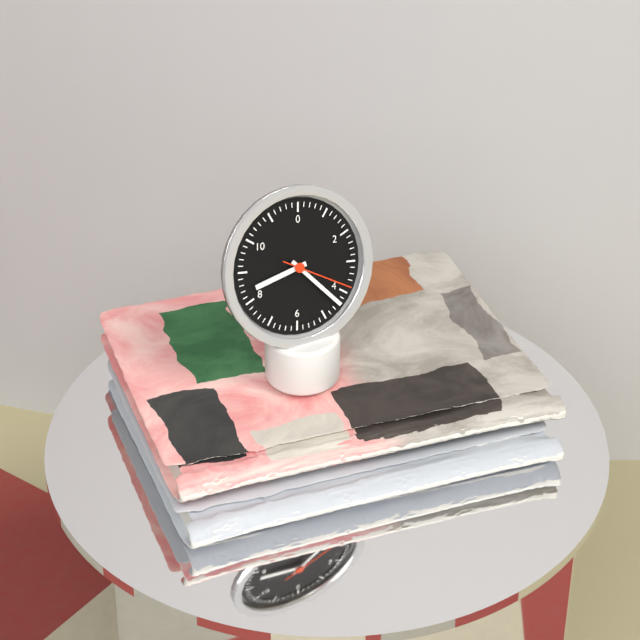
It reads 8:22:19
